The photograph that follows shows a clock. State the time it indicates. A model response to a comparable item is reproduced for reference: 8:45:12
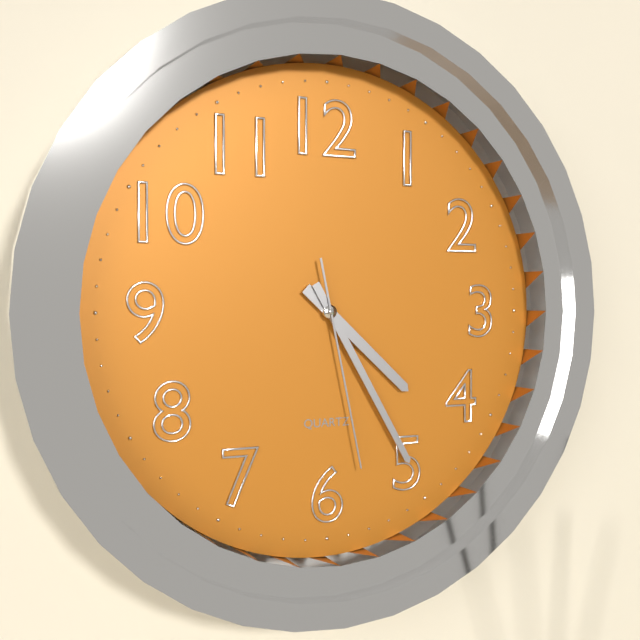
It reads 4:25:28
